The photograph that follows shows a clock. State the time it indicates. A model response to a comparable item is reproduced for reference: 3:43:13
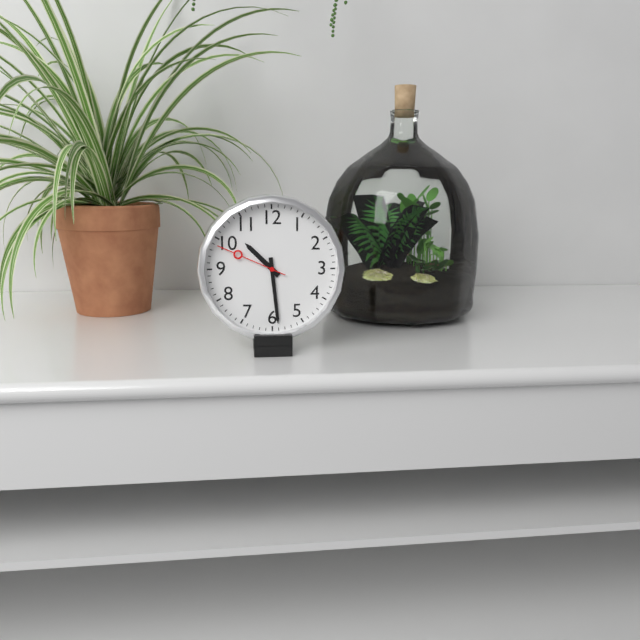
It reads 10:29:49
